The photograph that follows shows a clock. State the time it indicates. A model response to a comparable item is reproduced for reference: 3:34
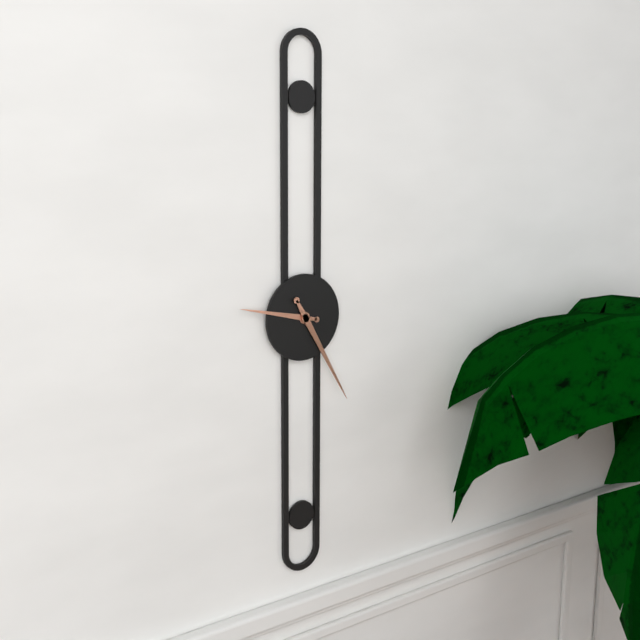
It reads 9:25
